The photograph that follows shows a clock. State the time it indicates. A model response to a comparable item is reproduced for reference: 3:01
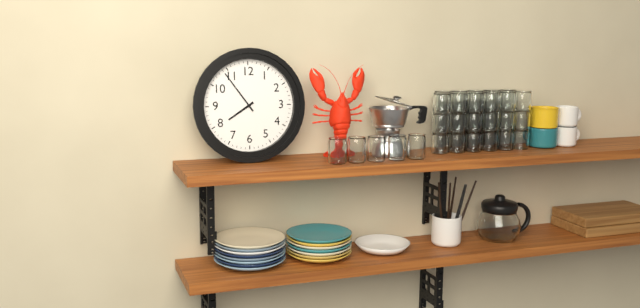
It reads 7:54
